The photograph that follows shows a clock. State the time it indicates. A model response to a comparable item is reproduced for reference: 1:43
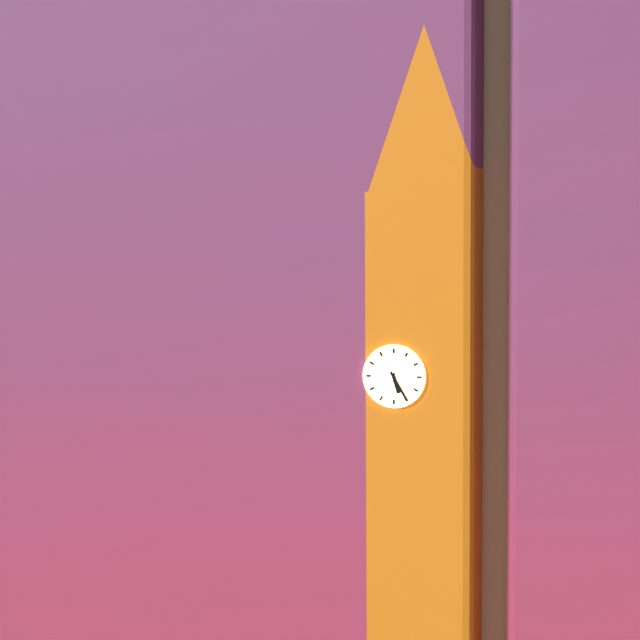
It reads 5:25
